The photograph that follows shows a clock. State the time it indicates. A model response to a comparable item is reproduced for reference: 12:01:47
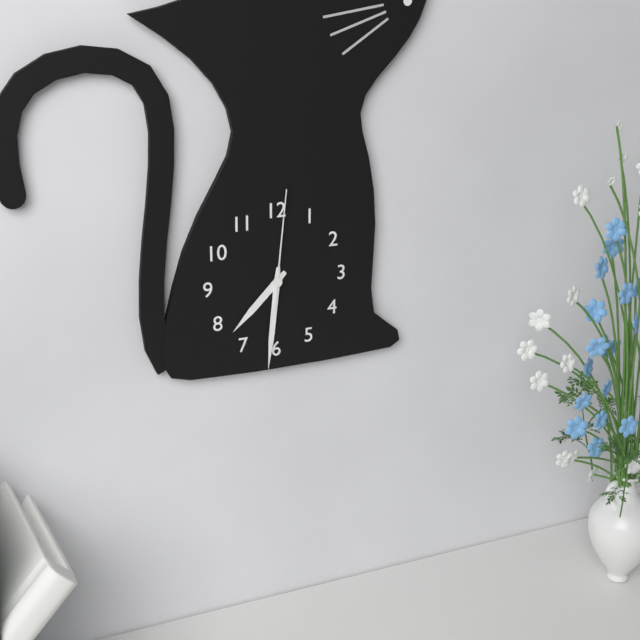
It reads 7:31:01
